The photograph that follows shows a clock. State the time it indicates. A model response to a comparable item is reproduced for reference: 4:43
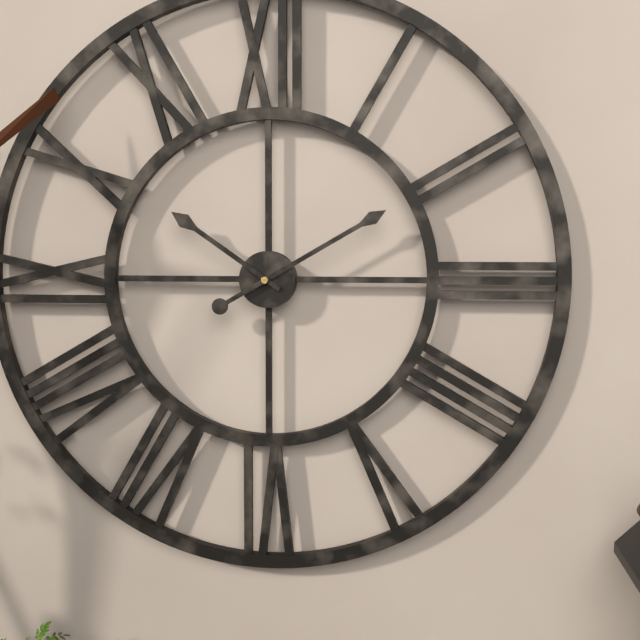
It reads 10:10
